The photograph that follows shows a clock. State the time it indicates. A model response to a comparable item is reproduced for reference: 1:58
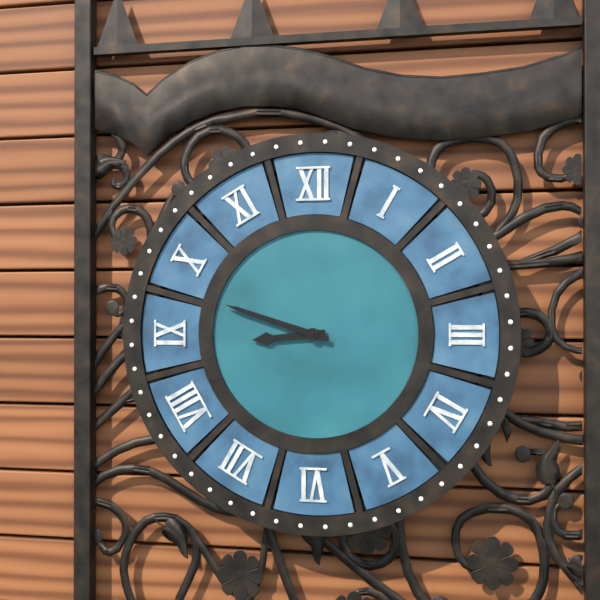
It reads 8:48
